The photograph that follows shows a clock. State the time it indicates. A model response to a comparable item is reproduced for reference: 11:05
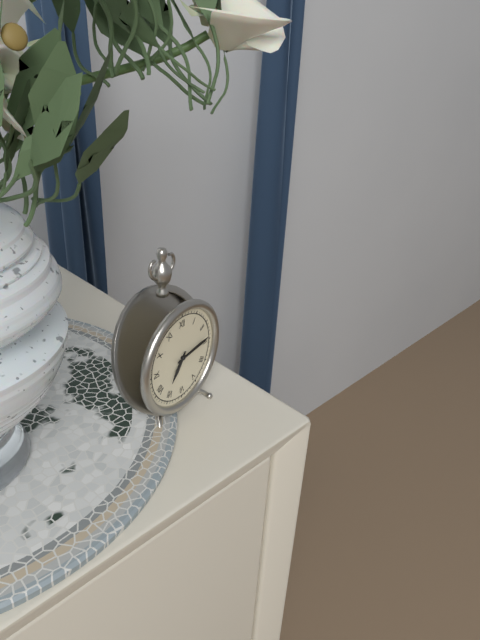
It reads 7:14
